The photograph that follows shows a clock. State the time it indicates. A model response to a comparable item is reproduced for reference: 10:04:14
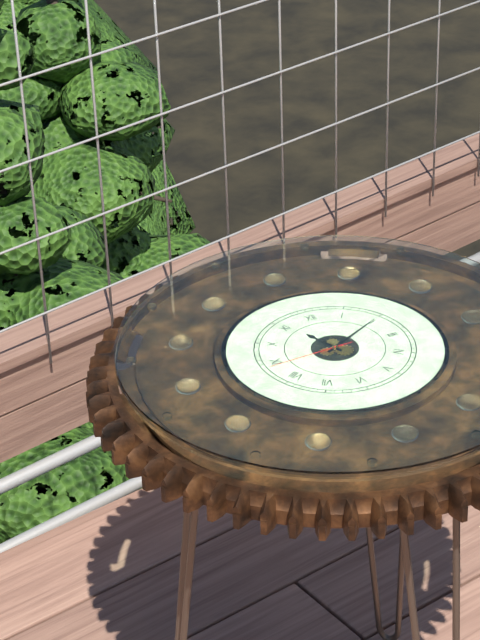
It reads 11:10:44
